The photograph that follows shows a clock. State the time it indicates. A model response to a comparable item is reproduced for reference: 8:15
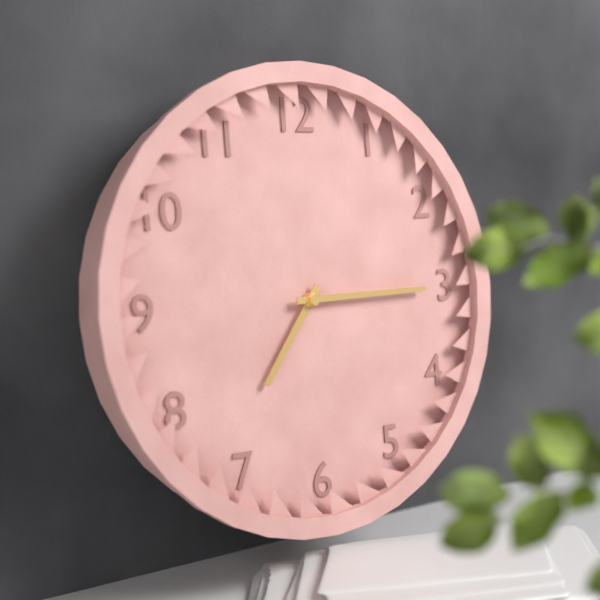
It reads 7:15
